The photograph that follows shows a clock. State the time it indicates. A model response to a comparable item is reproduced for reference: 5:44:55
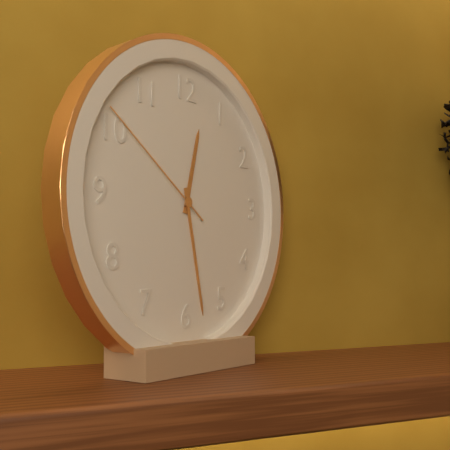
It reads 12:28:51
